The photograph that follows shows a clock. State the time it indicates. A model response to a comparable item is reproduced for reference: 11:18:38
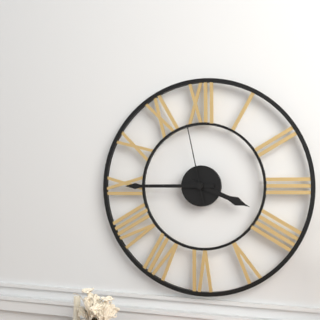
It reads 3:45:58
